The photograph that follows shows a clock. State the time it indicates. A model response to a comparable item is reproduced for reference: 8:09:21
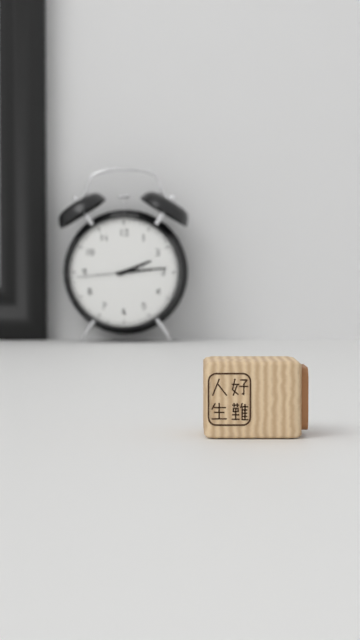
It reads 2:14:44
